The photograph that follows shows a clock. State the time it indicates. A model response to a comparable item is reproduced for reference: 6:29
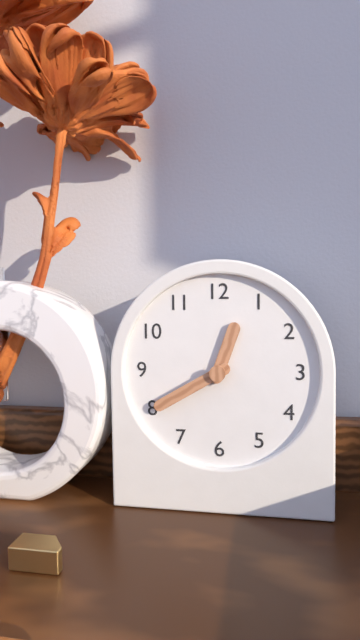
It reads 12:40
